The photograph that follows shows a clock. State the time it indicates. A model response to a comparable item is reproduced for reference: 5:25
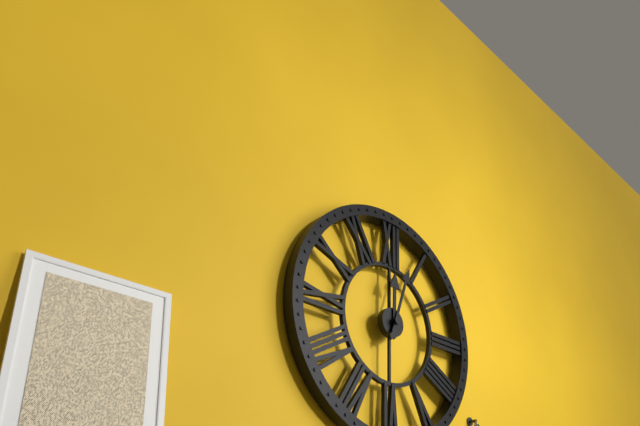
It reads 12:03
